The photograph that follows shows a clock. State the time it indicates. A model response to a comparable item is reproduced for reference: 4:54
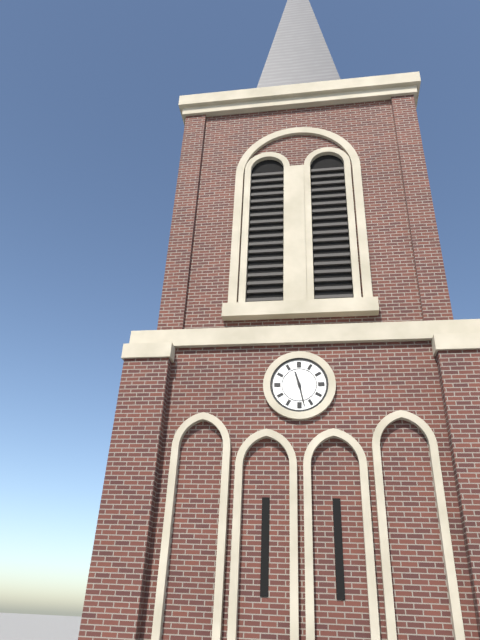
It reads 11:28
